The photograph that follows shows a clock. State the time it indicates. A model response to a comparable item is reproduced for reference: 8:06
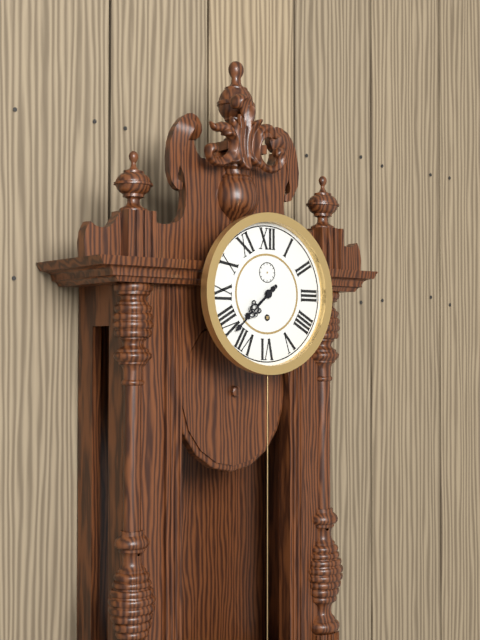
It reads 7:38
